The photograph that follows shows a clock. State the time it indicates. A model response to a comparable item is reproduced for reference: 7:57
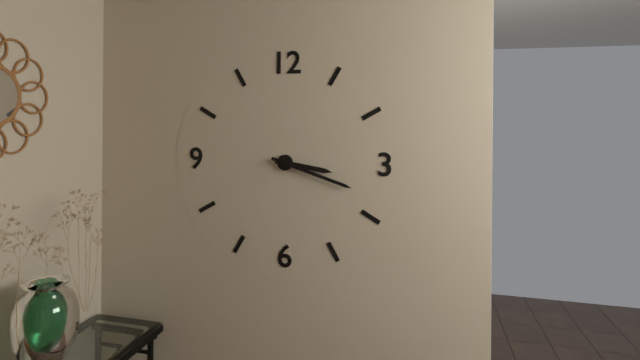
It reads 3:18
